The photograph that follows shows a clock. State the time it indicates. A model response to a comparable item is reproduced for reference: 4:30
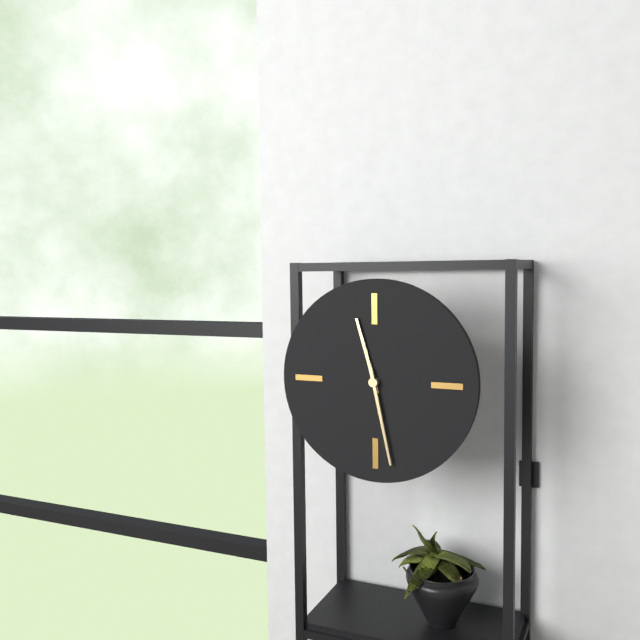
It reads 11:28
